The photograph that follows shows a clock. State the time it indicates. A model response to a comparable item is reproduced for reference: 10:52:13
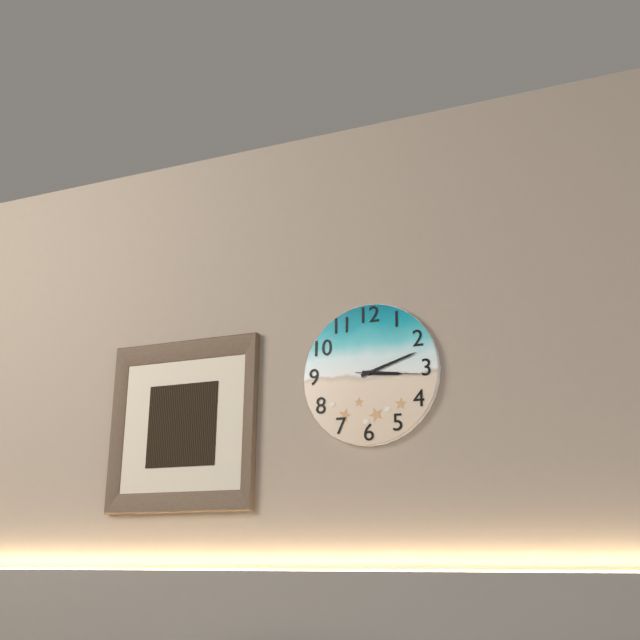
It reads 3:12:16
